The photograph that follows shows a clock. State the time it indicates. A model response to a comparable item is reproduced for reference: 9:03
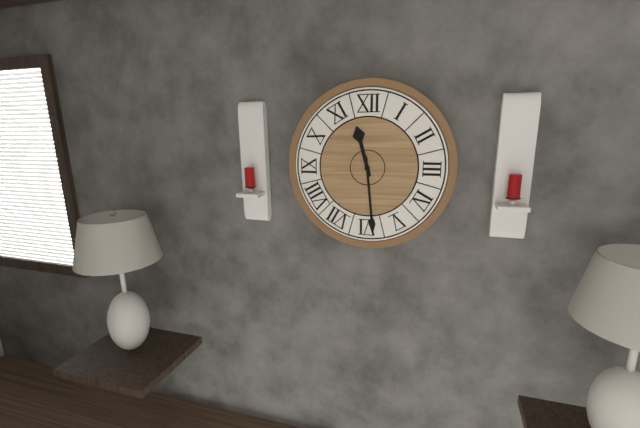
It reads 11:29
